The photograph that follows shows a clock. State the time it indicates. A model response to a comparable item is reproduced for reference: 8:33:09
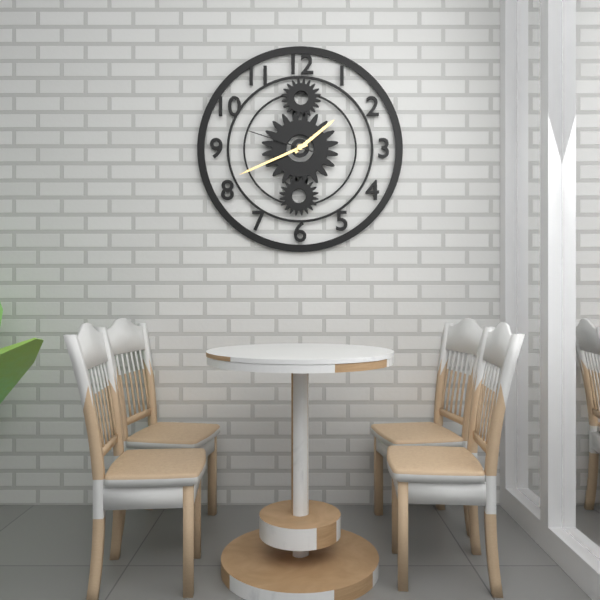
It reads 1:41:48
